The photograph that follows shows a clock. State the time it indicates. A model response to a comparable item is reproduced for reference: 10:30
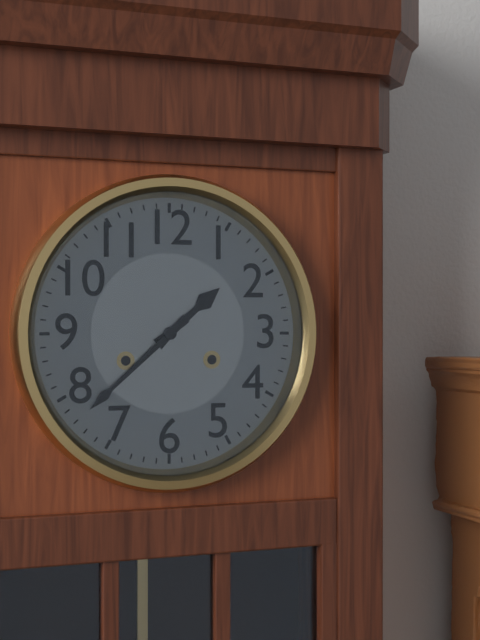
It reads 1:38
